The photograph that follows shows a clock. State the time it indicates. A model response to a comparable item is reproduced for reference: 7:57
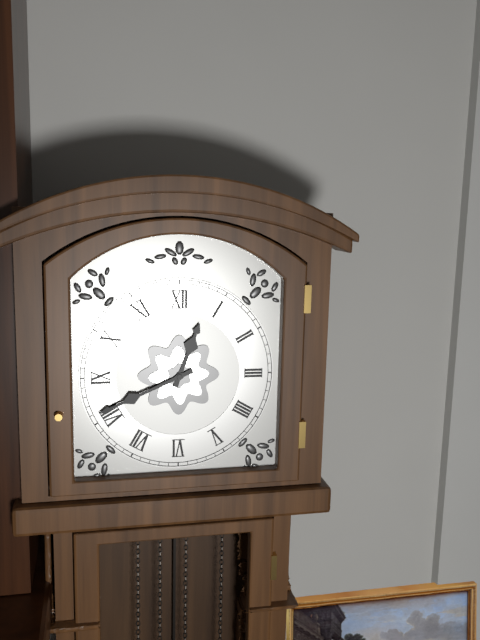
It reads 12:41
